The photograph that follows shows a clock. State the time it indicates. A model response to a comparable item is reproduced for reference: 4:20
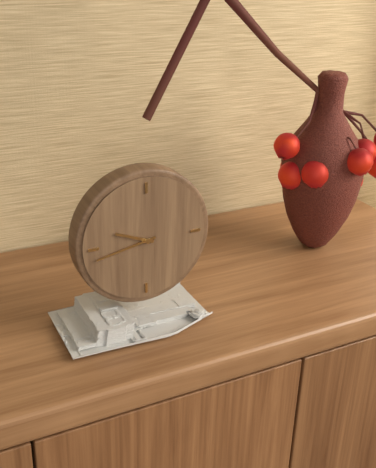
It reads 9:43
